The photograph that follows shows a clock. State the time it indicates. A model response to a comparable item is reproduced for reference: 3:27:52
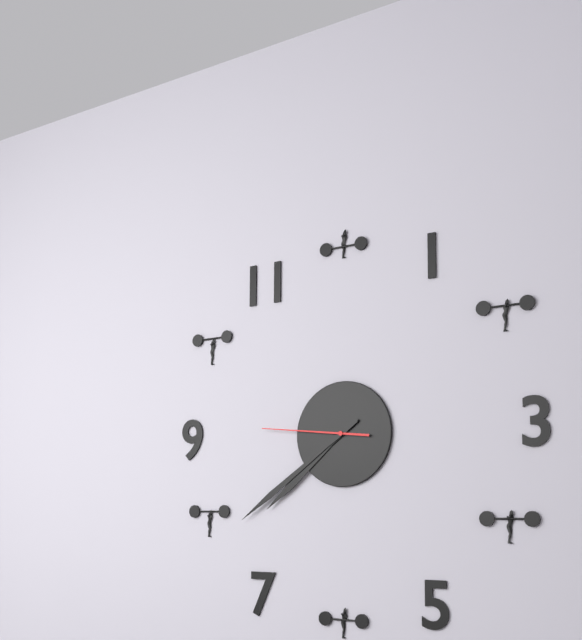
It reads 7:39:46
